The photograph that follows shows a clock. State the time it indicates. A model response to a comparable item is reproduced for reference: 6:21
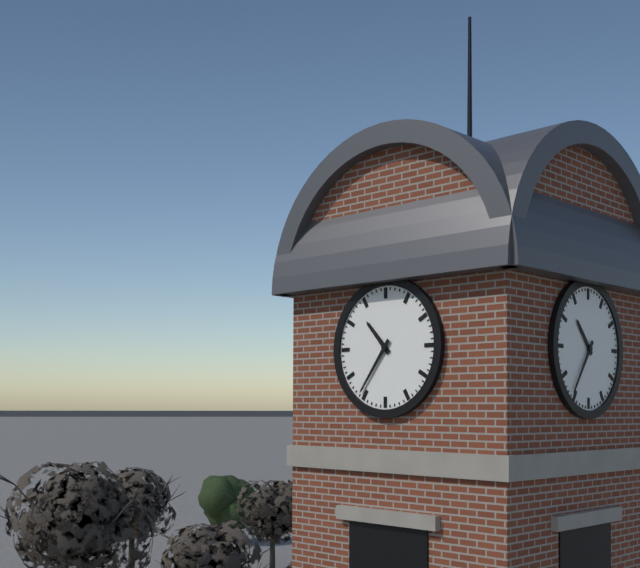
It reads 10:36
